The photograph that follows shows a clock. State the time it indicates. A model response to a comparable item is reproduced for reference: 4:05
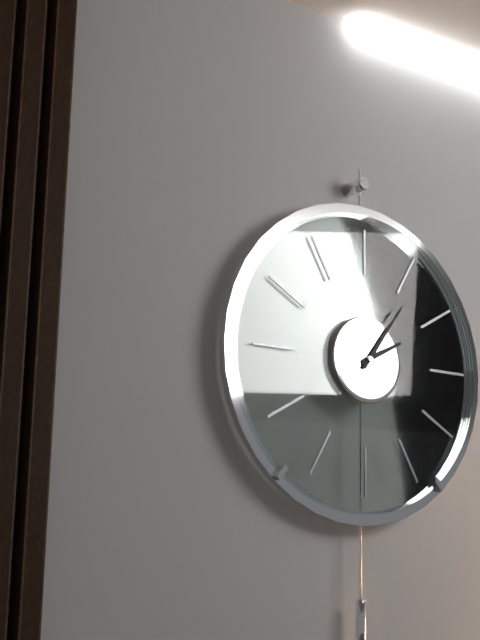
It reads 2:06
